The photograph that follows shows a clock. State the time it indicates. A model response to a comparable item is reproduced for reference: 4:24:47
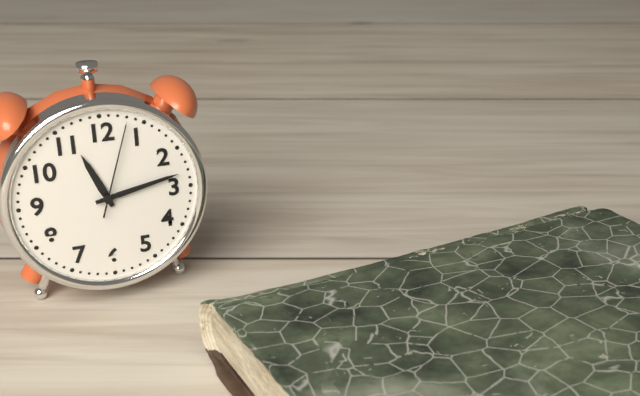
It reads 11:13:03
